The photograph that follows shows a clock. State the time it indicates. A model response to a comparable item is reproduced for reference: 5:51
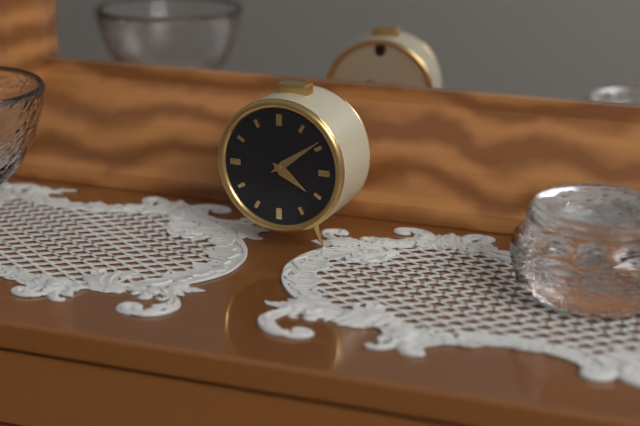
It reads 4:09
